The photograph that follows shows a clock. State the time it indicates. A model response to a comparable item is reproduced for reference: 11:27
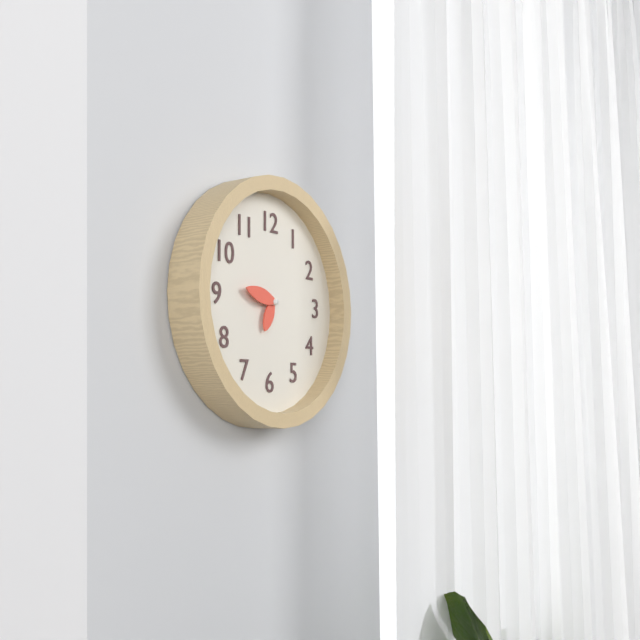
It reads 6:47
